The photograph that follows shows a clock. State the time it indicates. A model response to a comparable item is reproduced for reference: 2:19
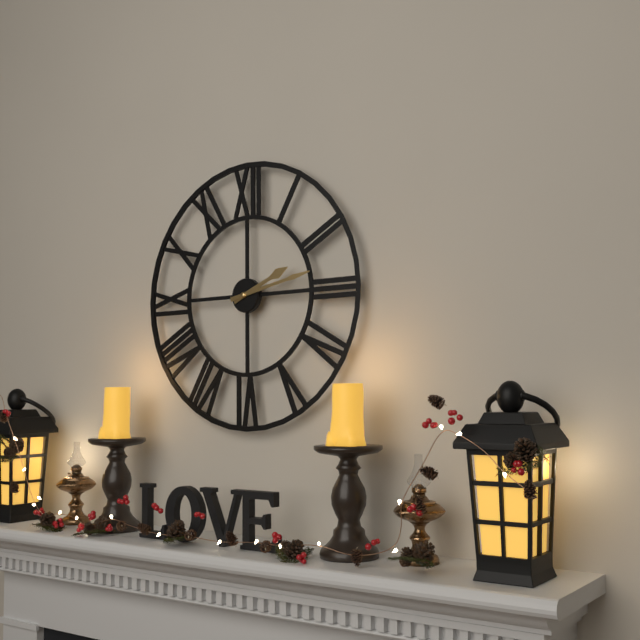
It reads 2:13
